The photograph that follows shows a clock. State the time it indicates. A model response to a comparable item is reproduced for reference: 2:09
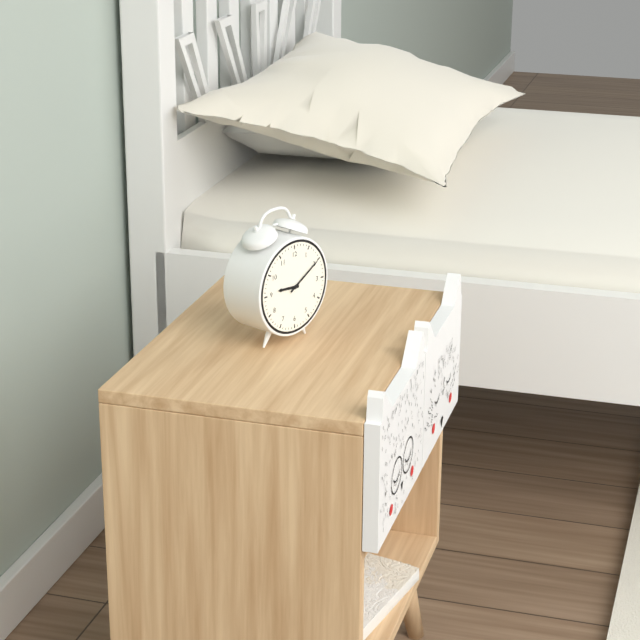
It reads 9:10
